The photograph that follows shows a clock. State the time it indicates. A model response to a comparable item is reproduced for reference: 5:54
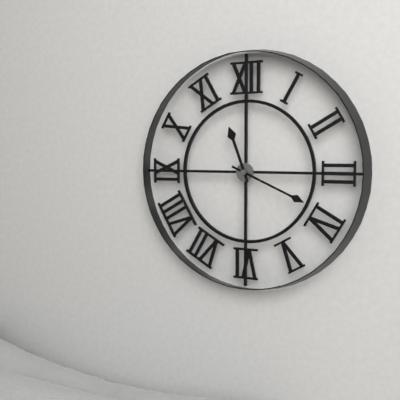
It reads 11:19
